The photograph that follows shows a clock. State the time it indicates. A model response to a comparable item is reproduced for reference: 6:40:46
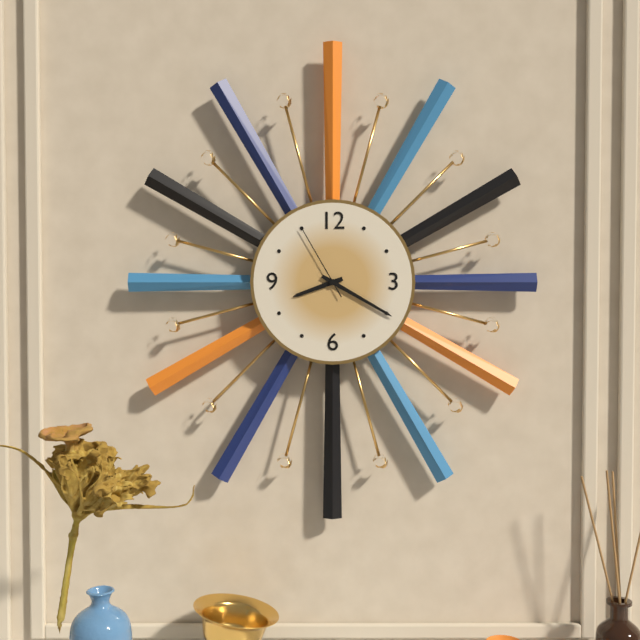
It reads 8:20:55
